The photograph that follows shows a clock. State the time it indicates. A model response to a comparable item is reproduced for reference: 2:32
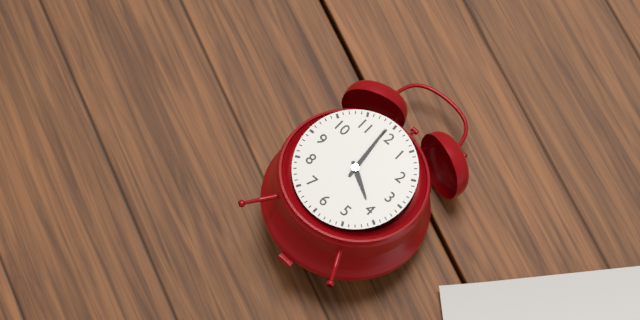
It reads 3:59
